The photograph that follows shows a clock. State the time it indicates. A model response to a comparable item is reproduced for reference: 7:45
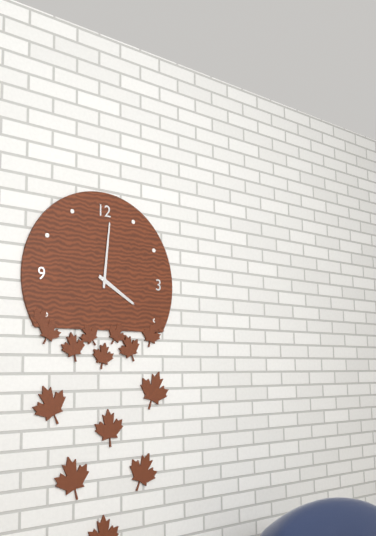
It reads 4:01
